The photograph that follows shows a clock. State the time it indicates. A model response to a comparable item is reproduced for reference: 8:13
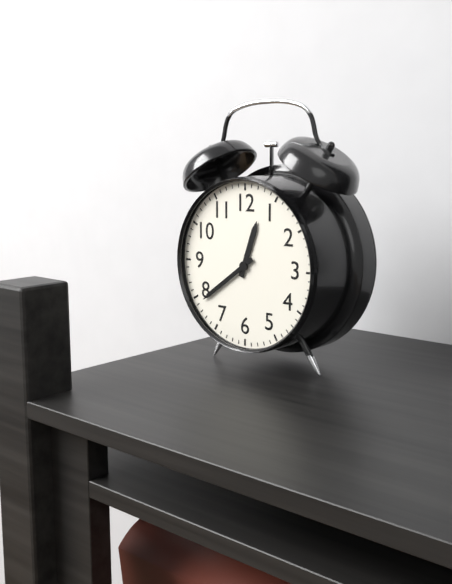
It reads 12:39
